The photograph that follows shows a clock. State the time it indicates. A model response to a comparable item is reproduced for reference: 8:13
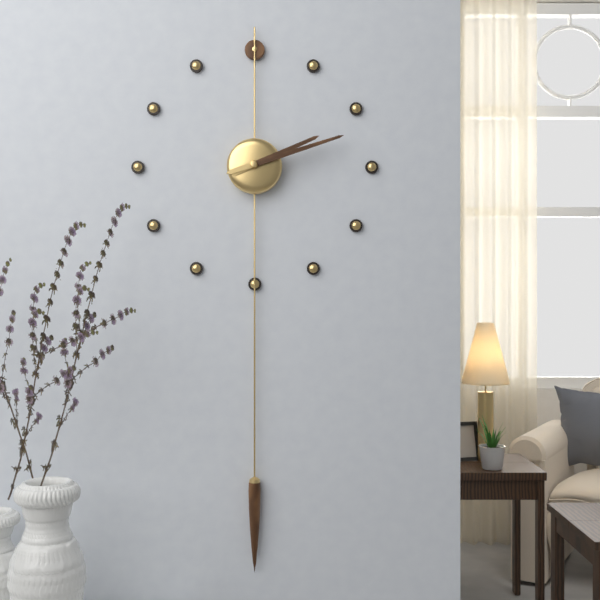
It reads 2:12
